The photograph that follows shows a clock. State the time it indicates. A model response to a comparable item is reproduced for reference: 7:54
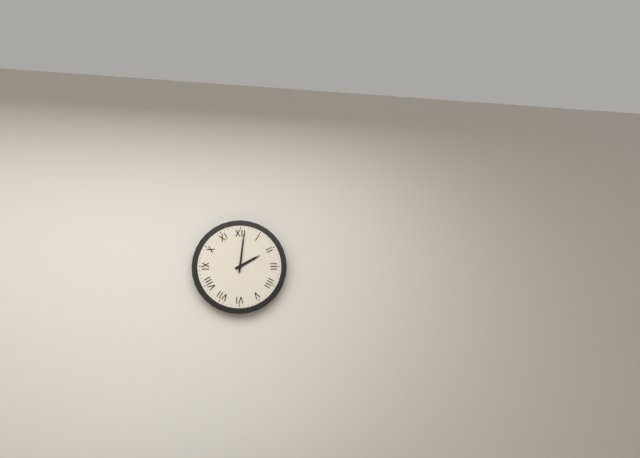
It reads 2:01
